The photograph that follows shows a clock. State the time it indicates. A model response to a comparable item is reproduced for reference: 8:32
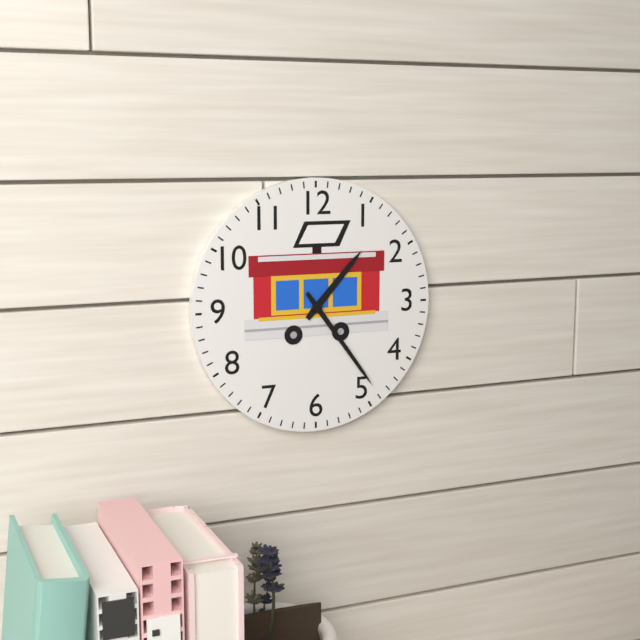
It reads 1:24
